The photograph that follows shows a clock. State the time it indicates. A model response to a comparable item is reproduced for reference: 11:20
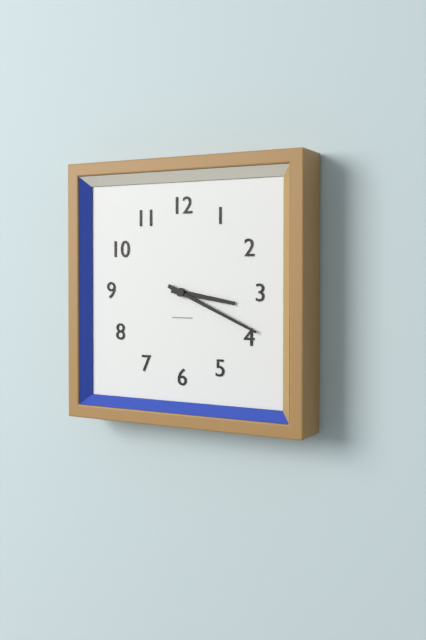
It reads 3:19
